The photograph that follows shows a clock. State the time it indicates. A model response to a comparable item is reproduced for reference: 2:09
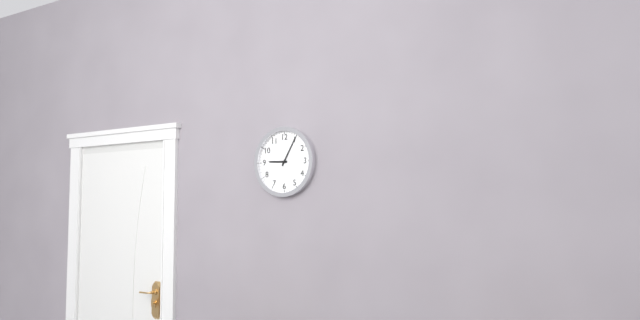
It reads 9:05
